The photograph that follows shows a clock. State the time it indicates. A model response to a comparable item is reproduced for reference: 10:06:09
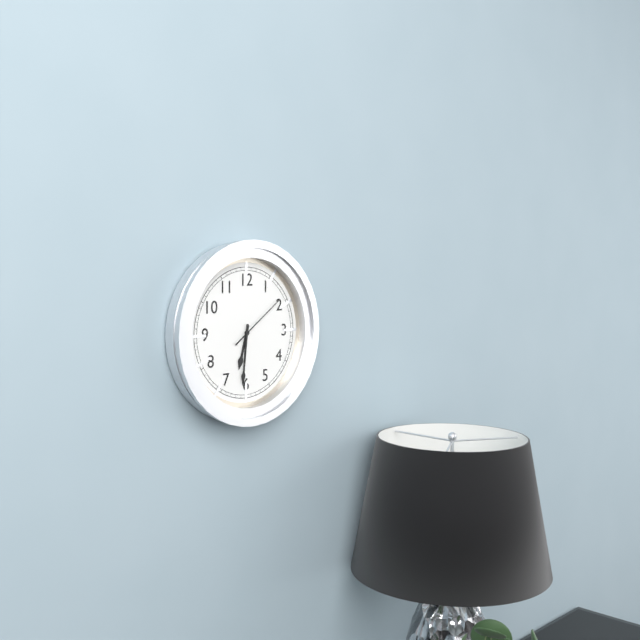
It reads 6:31:09
